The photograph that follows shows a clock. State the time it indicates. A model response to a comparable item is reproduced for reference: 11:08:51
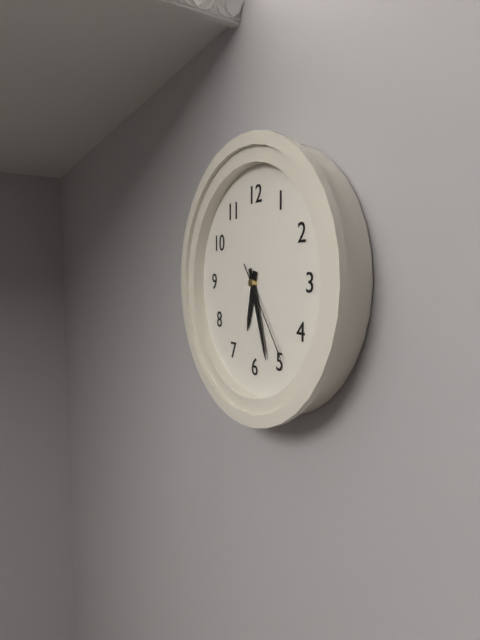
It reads 6:27:24
